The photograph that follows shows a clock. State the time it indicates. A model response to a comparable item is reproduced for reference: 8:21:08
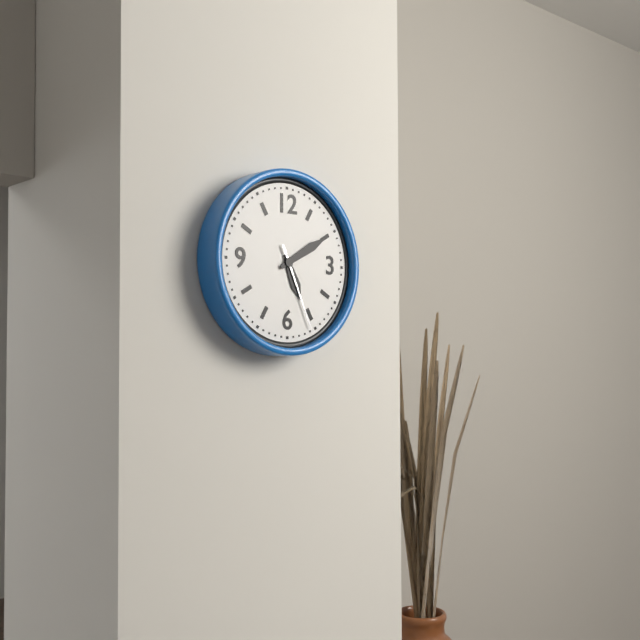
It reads 5:10:26
